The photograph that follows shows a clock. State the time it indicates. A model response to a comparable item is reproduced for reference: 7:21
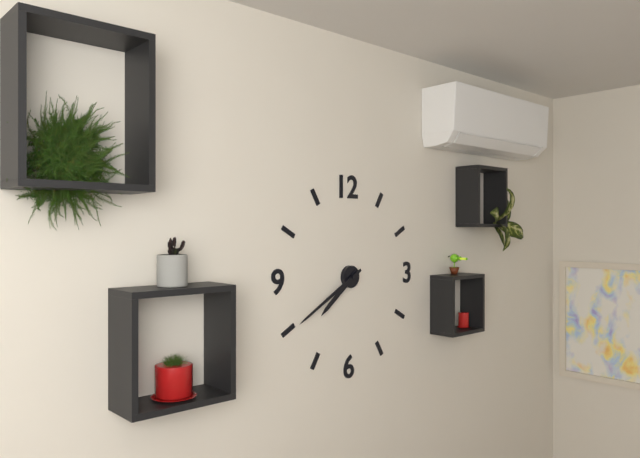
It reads 7:40
